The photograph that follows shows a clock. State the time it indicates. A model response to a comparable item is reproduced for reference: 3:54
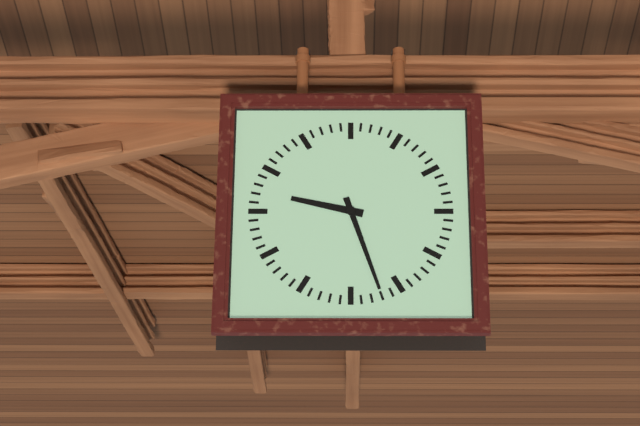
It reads 9:27
